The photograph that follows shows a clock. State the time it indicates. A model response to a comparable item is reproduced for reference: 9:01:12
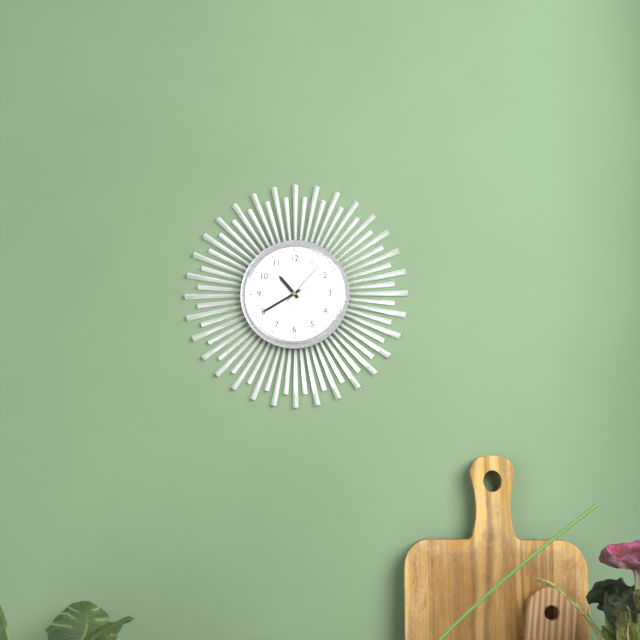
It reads 10:40:07
